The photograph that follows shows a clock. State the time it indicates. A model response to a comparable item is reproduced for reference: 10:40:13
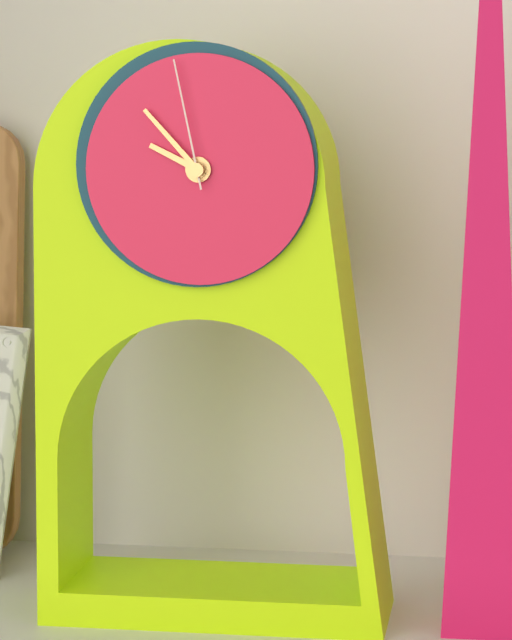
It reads 9:53:58
